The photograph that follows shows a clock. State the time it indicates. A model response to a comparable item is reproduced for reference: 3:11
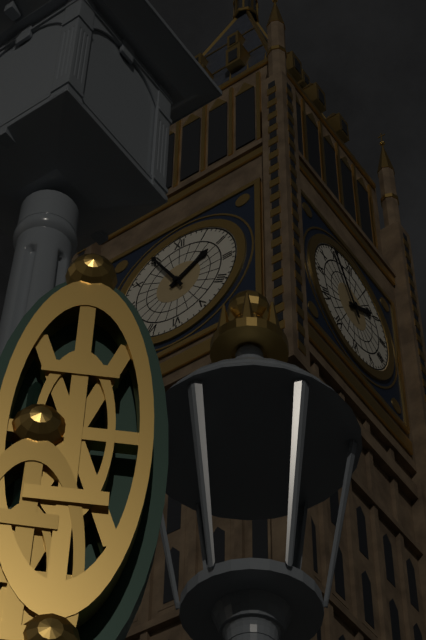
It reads 1:55
